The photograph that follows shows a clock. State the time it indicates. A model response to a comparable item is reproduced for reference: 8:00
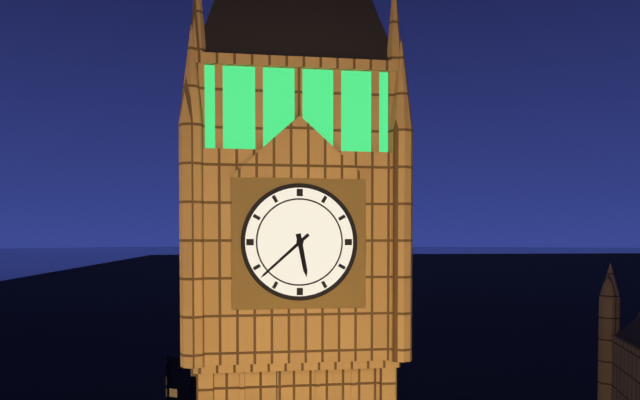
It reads 5:38
